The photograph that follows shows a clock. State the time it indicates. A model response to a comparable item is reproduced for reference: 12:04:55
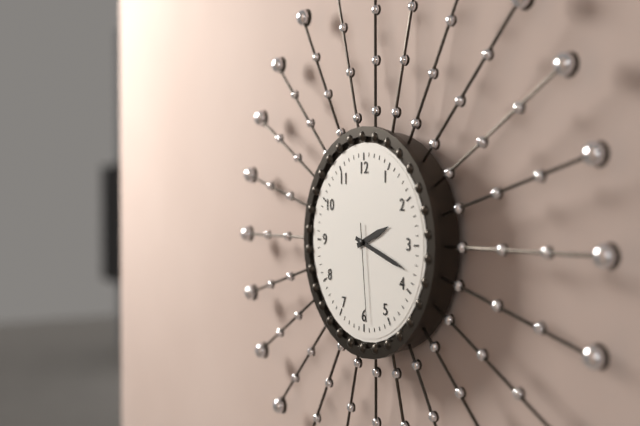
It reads 2:18:29
